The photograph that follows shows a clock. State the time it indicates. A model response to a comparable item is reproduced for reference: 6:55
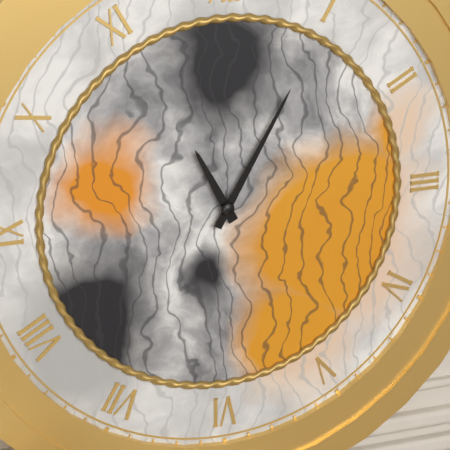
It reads 11:05
